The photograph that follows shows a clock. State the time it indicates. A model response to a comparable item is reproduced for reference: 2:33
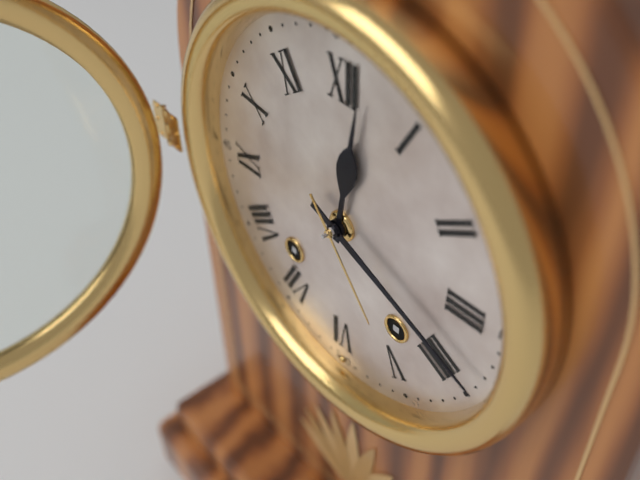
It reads 12:19
